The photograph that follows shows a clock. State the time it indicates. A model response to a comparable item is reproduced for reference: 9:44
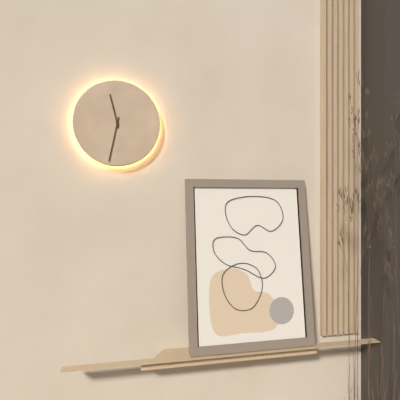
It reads 11:32
